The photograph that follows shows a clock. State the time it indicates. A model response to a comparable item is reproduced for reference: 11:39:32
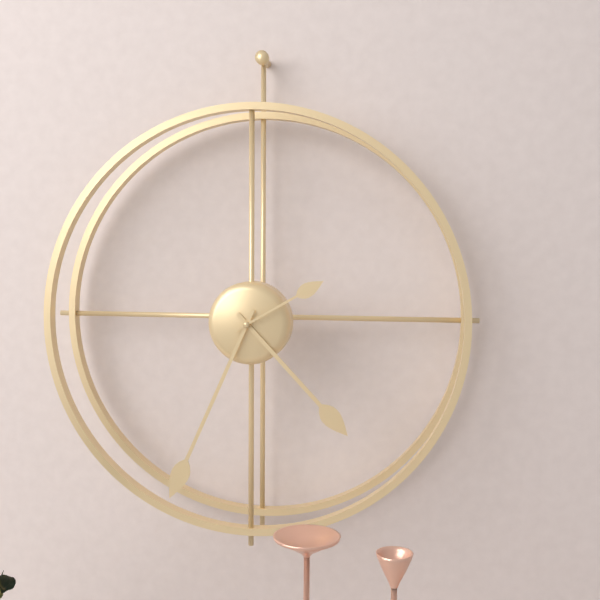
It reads 4:34:10
